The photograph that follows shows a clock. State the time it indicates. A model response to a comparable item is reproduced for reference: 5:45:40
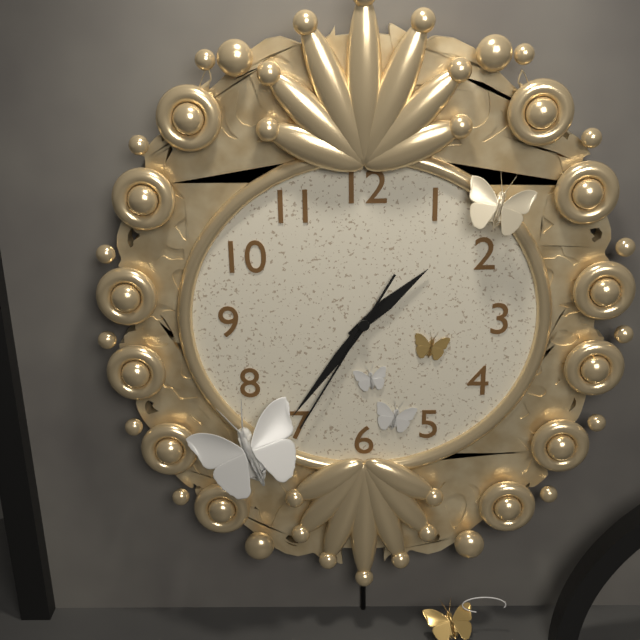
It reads 1:36:35
